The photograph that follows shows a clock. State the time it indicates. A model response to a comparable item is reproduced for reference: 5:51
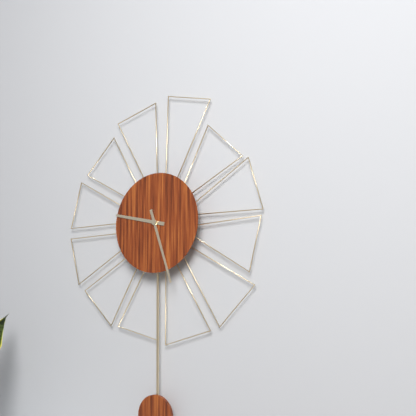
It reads 9:27
